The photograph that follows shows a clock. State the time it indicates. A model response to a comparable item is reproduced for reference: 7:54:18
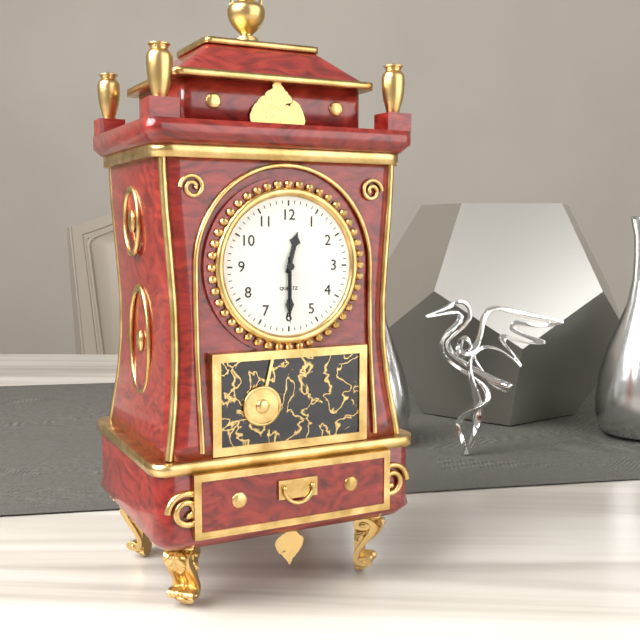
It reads 12:30:30
